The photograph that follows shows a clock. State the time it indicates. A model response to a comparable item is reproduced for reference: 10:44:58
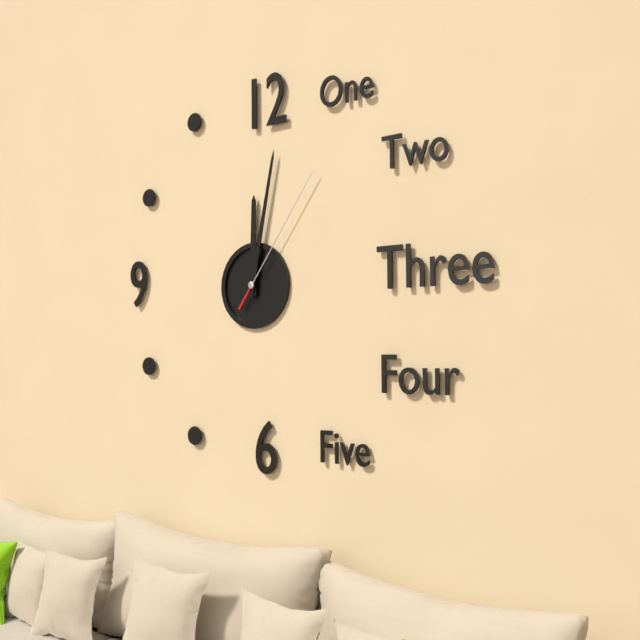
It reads 12:02:06
